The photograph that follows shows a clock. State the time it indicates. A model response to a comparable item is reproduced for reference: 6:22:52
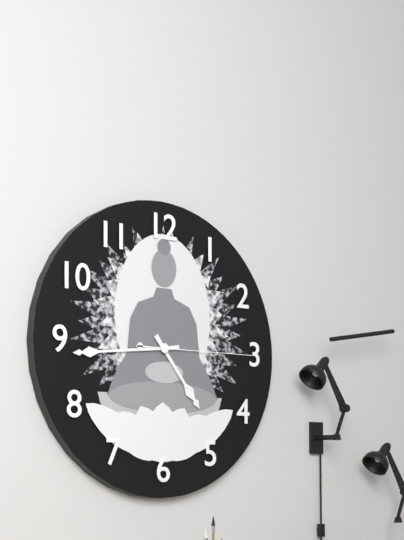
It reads 4:44:15
